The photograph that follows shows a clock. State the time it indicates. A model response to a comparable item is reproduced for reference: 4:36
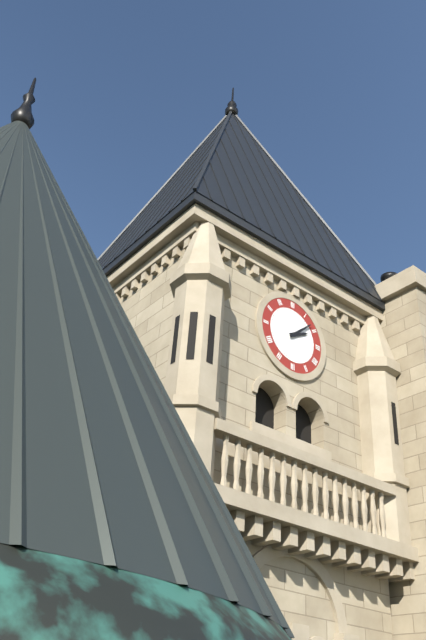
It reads 2:08
